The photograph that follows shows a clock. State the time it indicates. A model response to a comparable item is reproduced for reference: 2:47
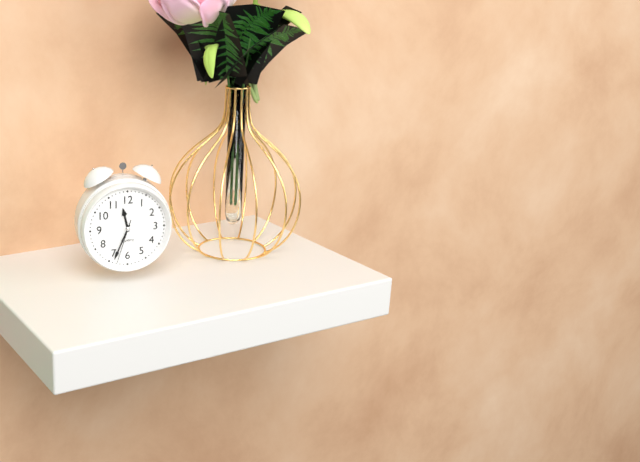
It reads 11:34
